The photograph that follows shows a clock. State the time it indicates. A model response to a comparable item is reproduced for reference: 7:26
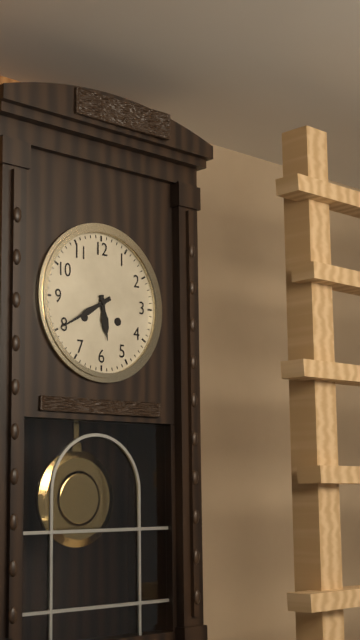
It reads 5:40
